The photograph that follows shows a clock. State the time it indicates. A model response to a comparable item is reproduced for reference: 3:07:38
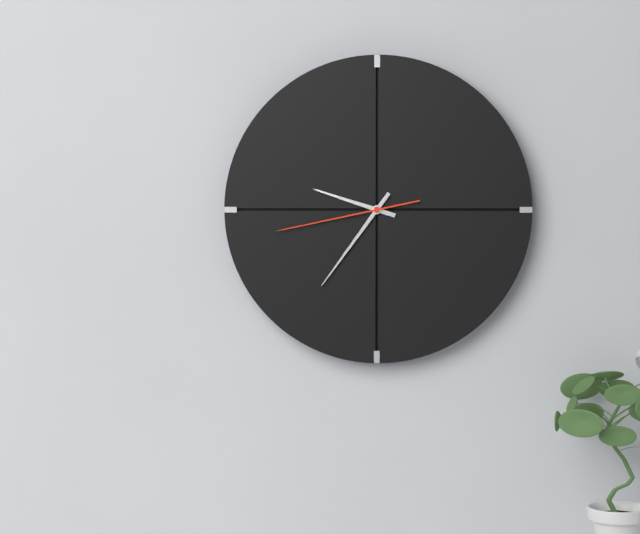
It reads 9:36:43
